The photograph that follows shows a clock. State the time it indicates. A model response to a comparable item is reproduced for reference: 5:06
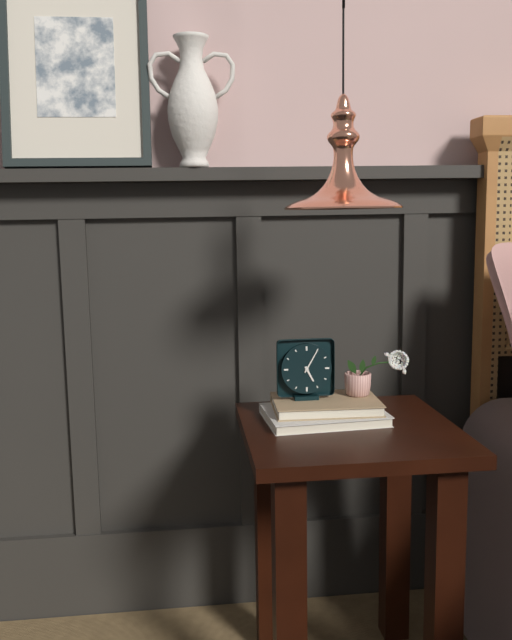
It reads 5:05
